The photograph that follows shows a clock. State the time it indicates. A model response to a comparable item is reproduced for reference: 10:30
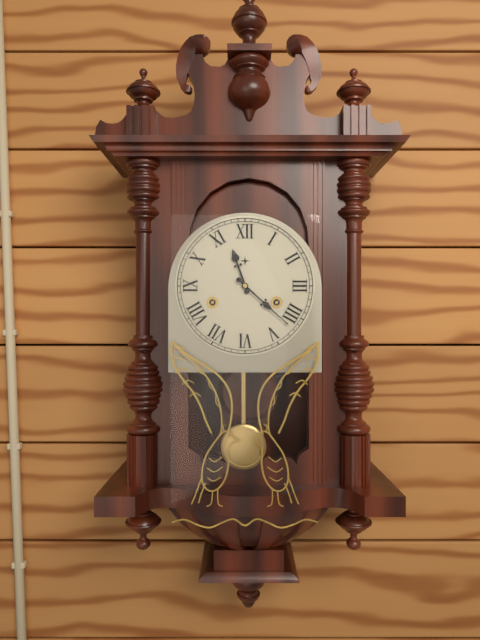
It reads 11:22
